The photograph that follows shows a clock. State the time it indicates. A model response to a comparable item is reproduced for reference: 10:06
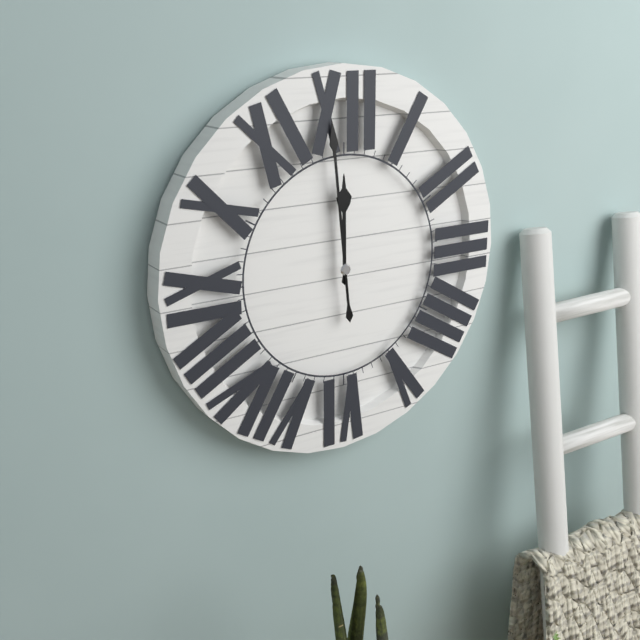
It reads 11:59
